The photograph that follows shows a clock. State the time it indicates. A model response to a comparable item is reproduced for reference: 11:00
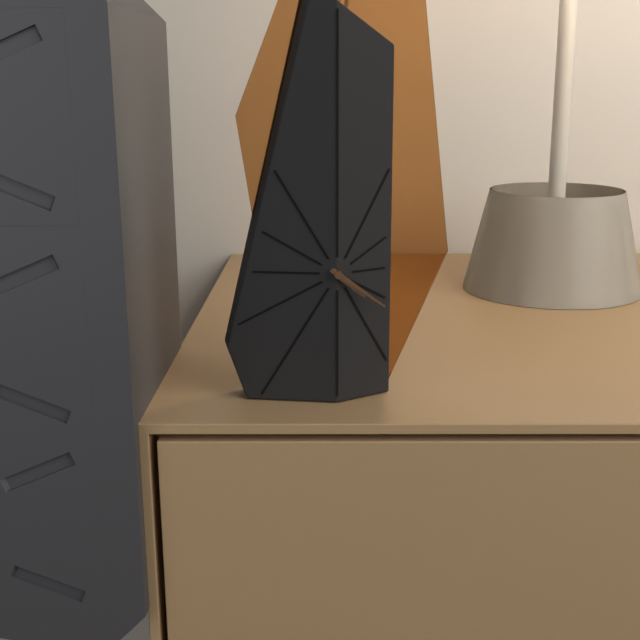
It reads 4:21
